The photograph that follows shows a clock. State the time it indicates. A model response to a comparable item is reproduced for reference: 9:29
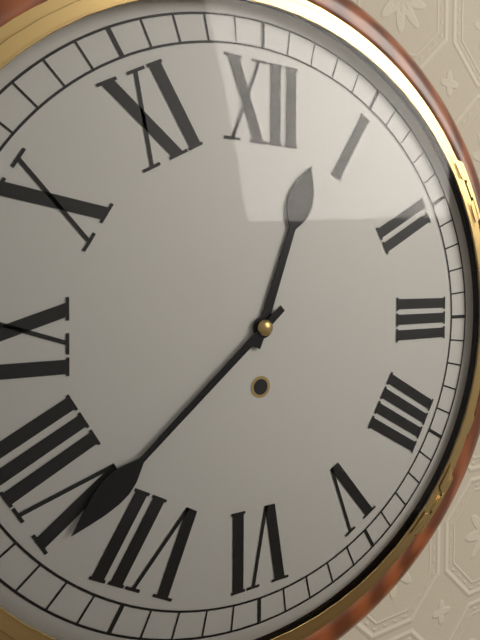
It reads 12:38
